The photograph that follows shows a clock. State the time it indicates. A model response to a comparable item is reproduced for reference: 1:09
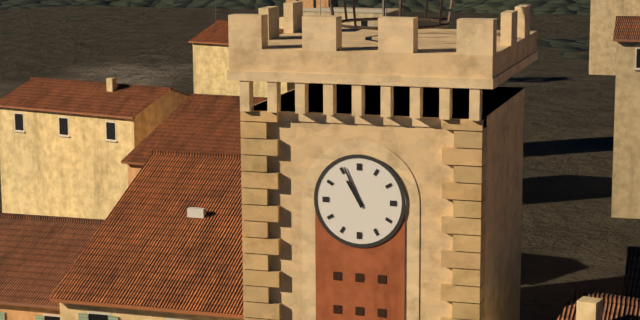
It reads 10:56
